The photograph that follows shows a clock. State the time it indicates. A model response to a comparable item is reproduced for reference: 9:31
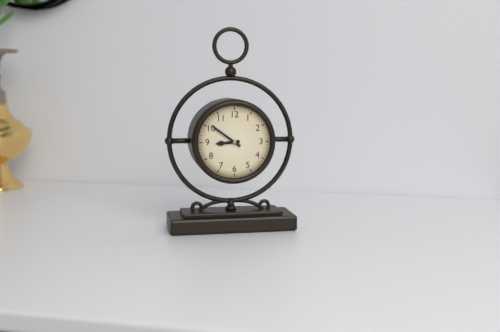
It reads 8:51
